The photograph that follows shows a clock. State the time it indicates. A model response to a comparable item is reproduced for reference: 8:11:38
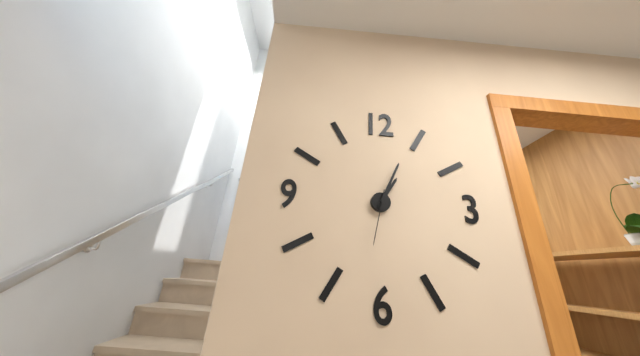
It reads 1:04:32
